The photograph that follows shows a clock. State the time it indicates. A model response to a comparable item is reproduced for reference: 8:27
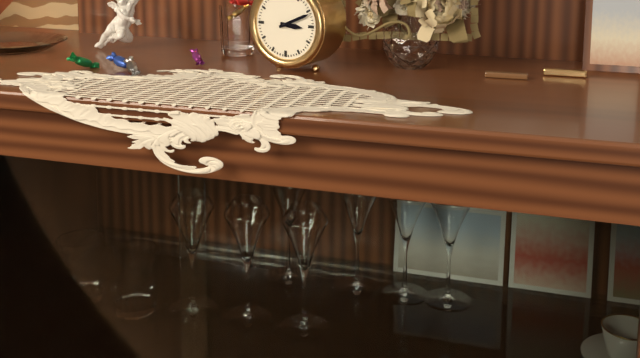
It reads 3:11
